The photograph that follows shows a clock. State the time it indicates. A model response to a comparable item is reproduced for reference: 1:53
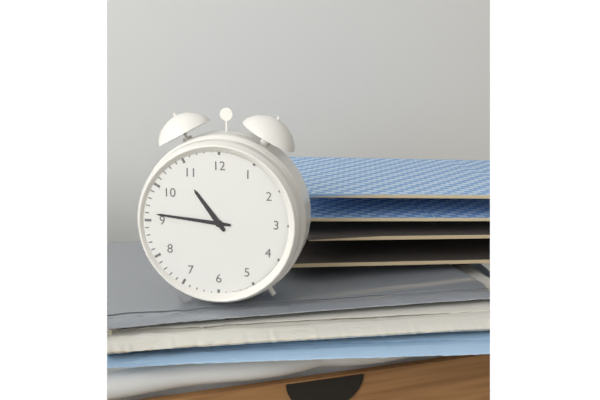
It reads 10:46
